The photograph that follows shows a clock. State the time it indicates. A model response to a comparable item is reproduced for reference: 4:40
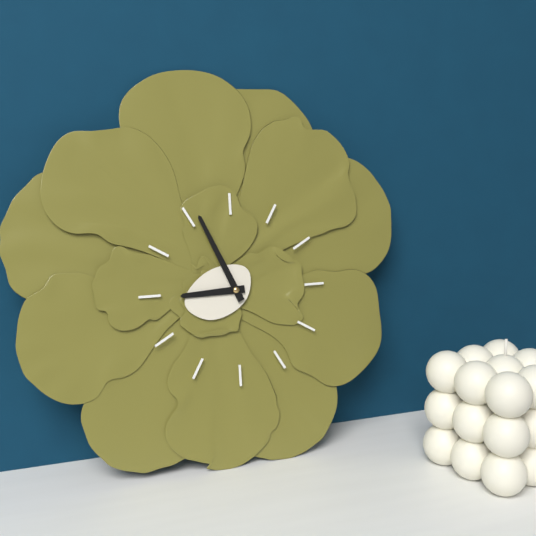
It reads 8:56
